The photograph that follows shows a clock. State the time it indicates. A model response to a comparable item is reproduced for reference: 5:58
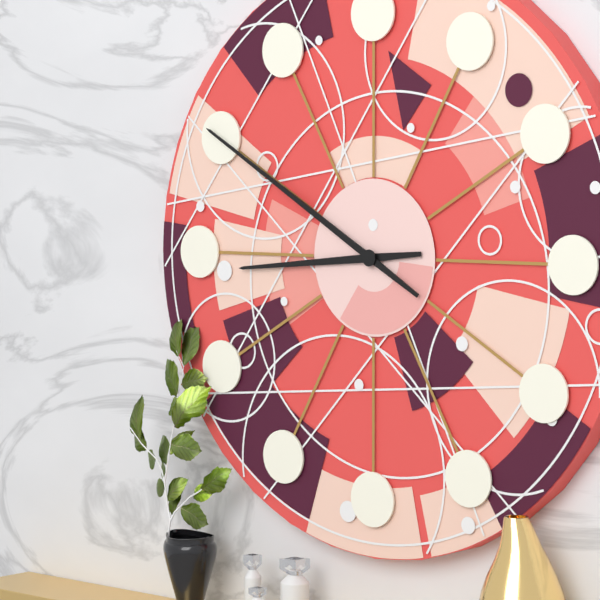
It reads 8:50
